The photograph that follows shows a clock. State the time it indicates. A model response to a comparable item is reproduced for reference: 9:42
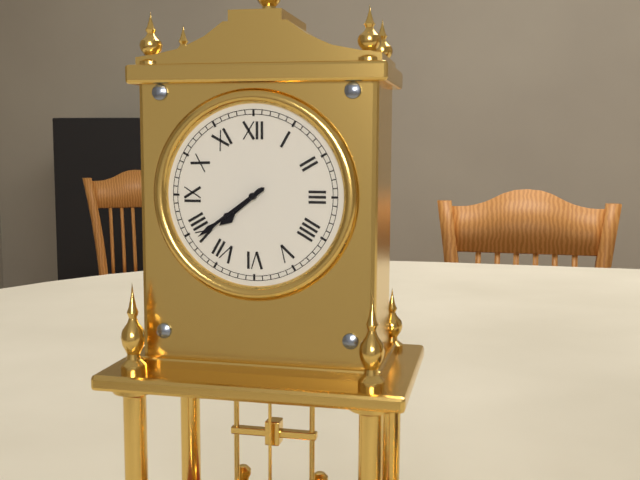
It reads 7:39
